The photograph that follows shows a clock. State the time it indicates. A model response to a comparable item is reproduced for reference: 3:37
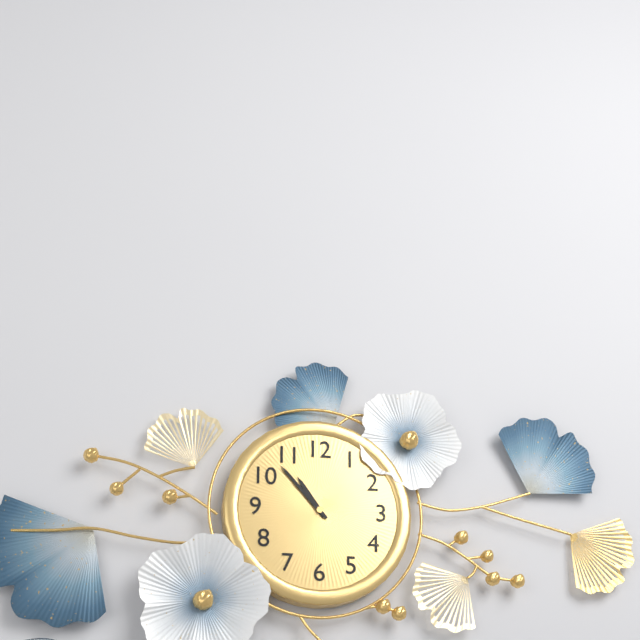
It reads 10:53
